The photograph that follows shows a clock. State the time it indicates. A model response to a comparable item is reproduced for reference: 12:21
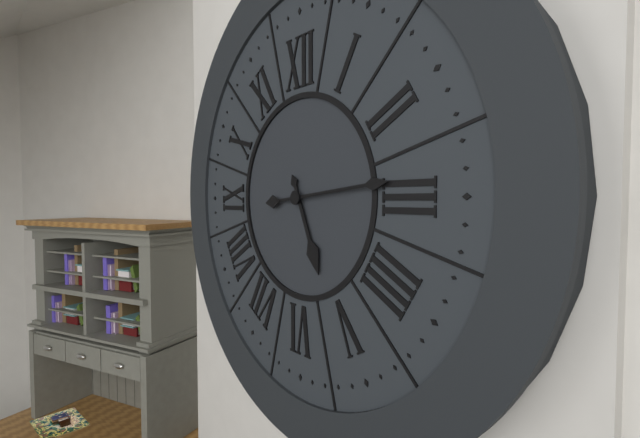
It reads 5:14
